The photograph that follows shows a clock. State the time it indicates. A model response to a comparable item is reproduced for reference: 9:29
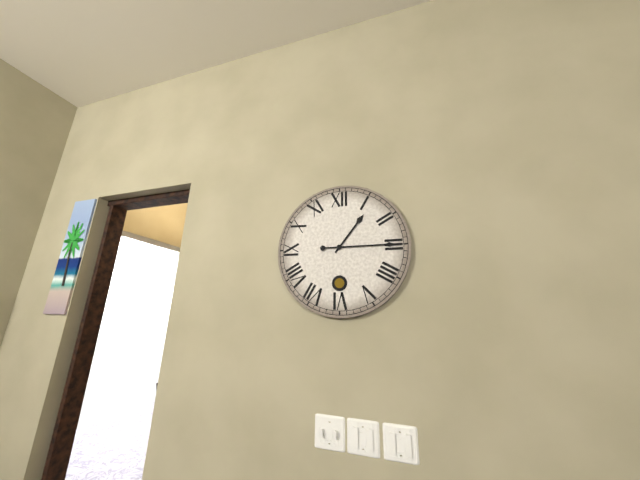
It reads 1:15
